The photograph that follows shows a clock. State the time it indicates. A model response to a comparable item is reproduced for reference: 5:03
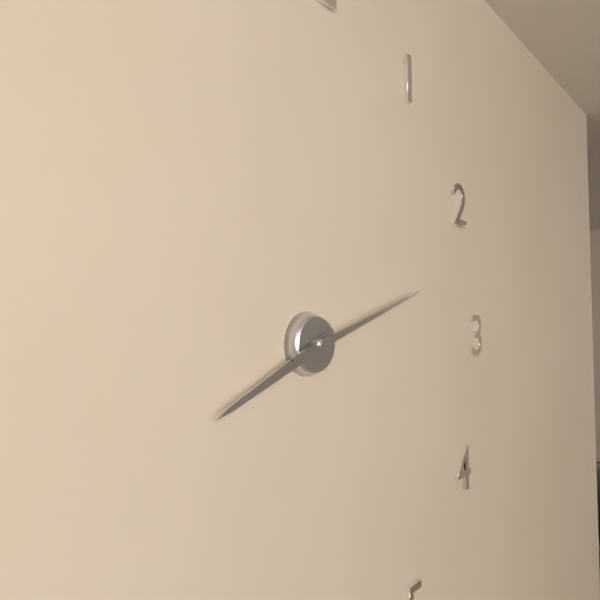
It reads 8:12
